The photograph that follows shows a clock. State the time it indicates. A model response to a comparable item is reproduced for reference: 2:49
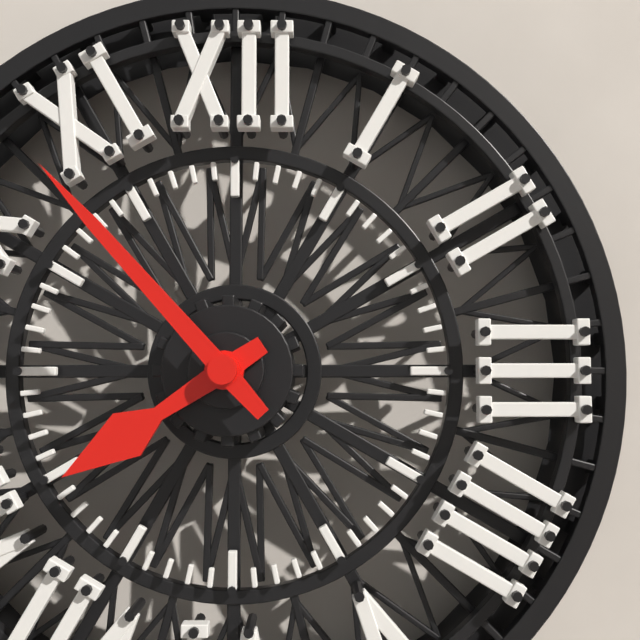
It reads 7:53
